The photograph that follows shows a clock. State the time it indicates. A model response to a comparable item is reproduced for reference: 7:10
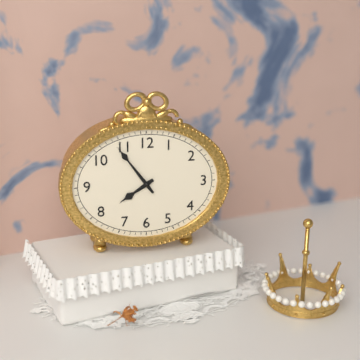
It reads 7:54
